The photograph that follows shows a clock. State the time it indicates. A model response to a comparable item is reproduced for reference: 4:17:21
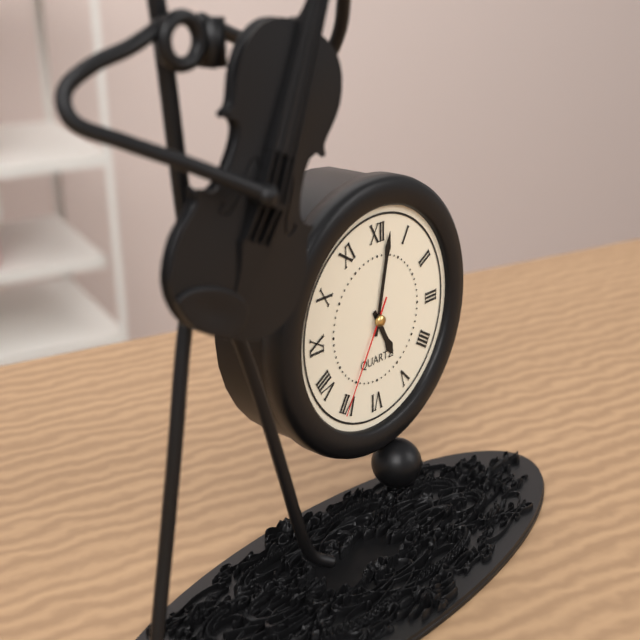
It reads 5:02:35
